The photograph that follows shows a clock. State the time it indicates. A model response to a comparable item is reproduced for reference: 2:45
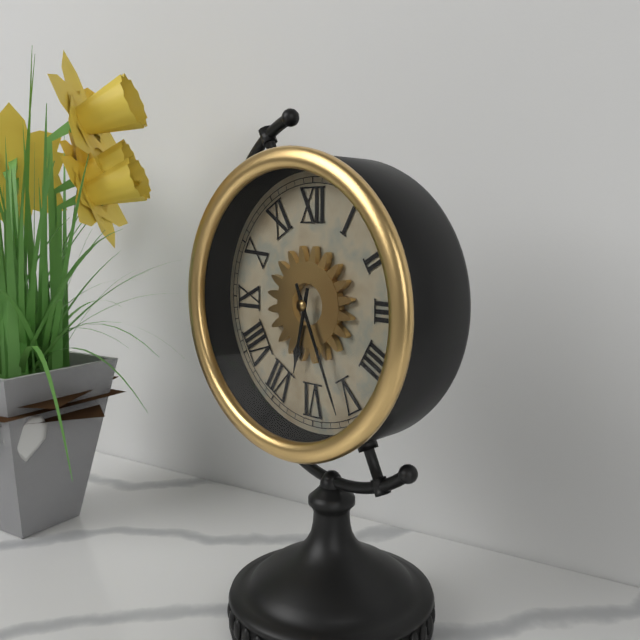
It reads 6:26
